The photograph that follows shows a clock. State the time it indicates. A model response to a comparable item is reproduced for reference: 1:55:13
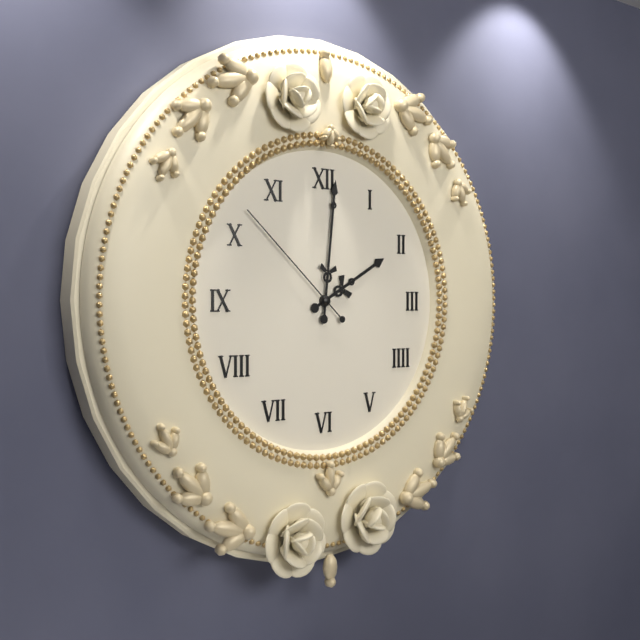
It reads 2:01:52
